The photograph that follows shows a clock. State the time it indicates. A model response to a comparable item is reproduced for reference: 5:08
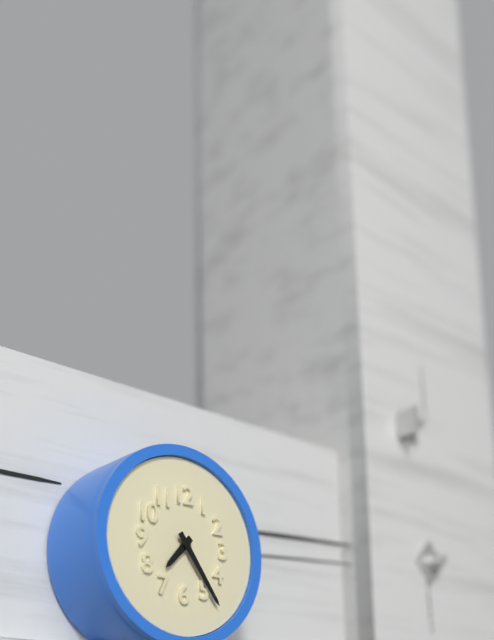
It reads 7:24
